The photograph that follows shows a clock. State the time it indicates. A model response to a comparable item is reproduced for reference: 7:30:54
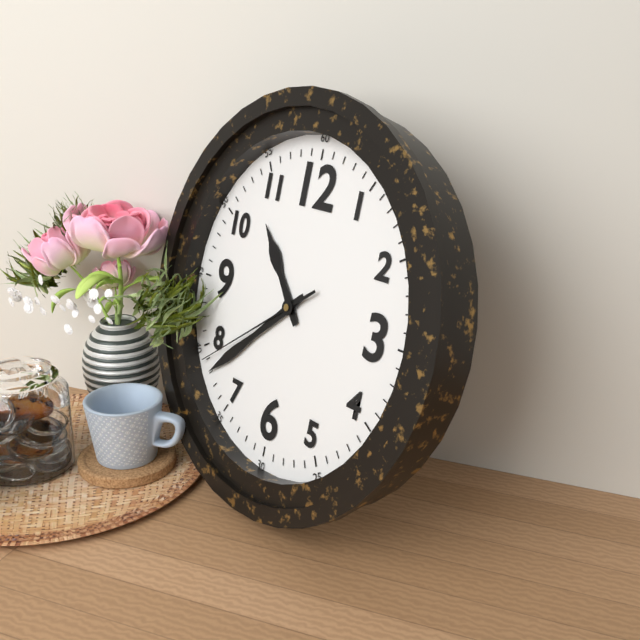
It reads 10:38:39
